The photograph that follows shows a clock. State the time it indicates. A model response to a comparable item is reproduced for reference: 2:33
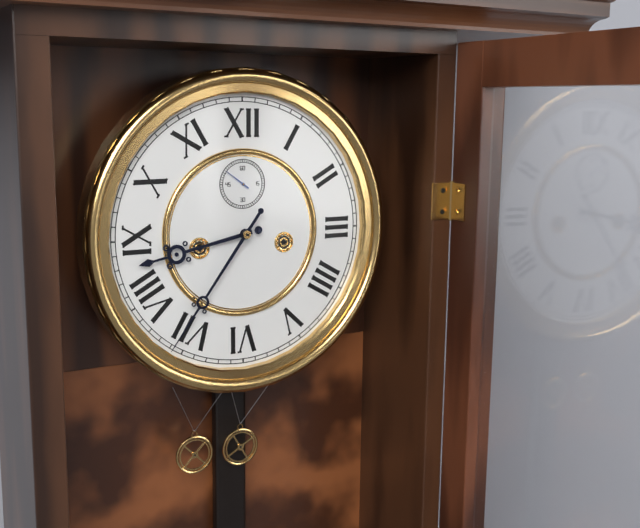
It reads 8:36
